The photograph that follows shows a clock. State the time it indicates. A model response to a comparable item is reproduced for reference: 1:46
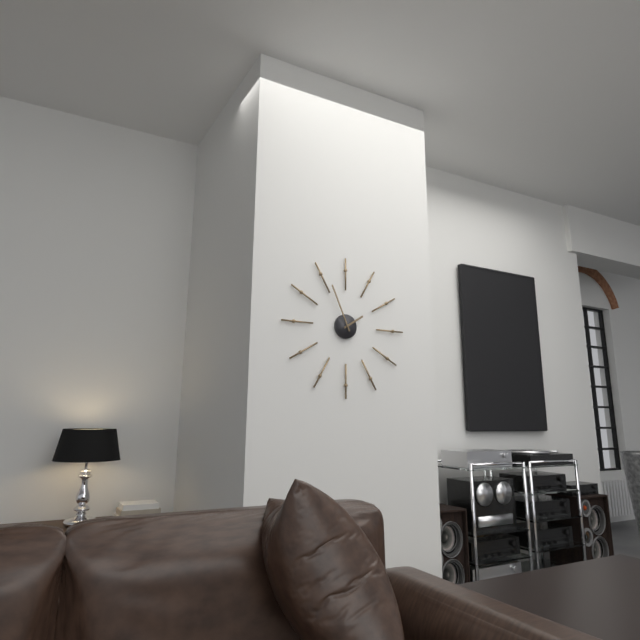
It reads 1:56
